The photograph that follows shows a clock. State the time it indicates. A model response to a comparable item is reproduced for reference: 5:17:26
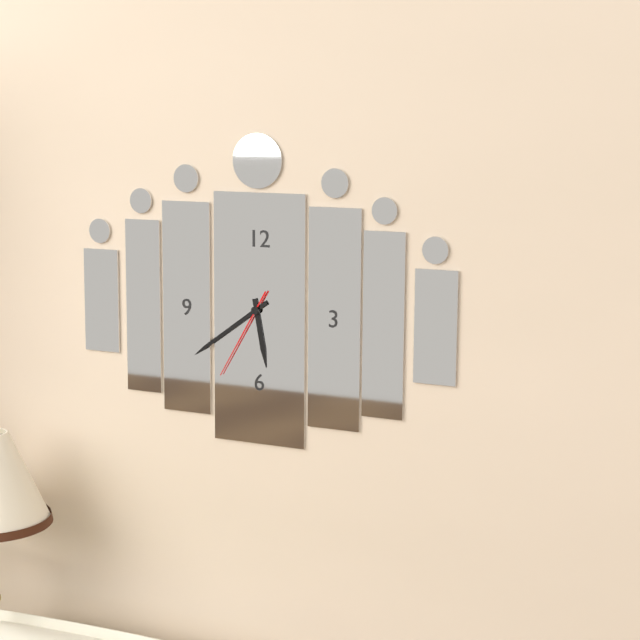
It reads 5:39:35
